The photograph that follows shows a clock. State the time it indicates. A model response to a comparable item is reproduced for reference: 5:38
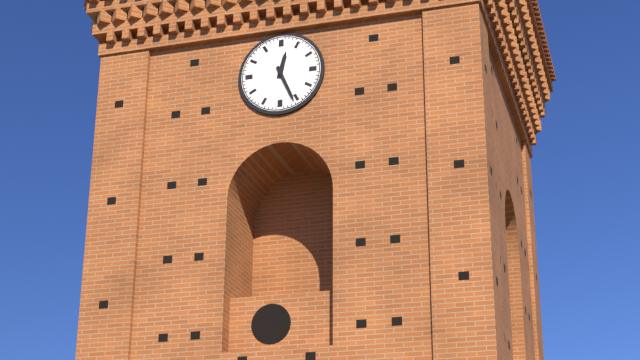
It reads 12:26
